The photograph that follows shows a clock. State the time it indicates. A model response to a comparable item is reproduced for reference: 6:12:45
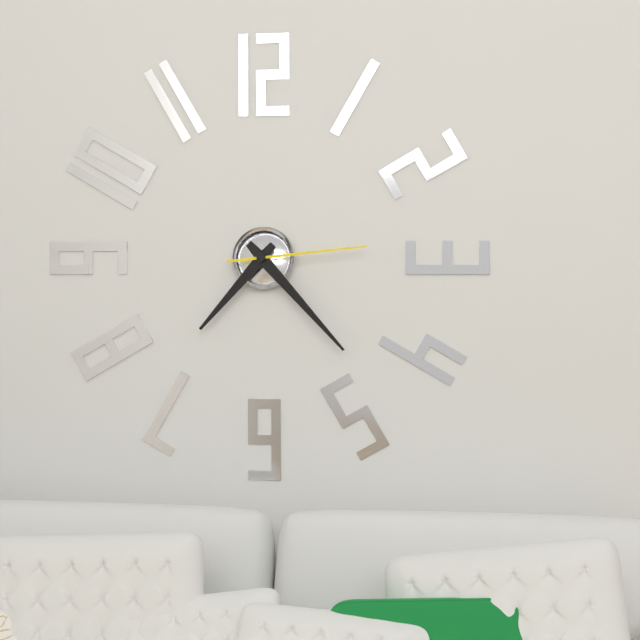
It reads 7:23:14
